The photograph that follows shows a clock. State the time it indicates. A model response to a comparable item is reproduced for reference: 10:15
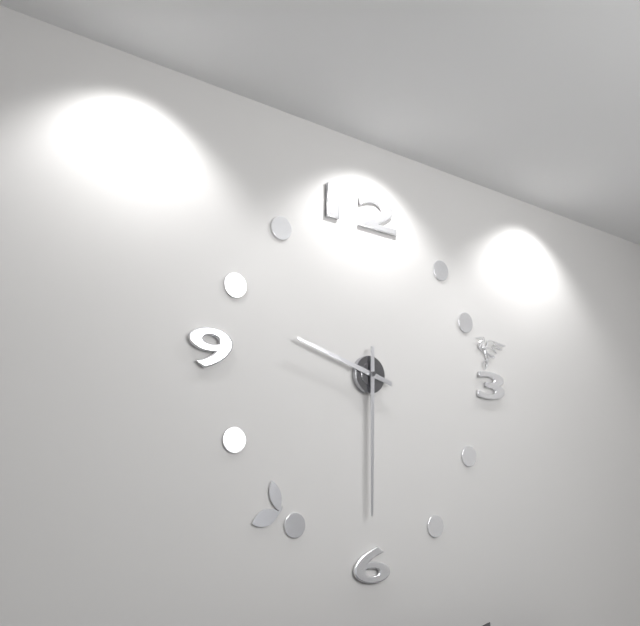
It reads 9:30
